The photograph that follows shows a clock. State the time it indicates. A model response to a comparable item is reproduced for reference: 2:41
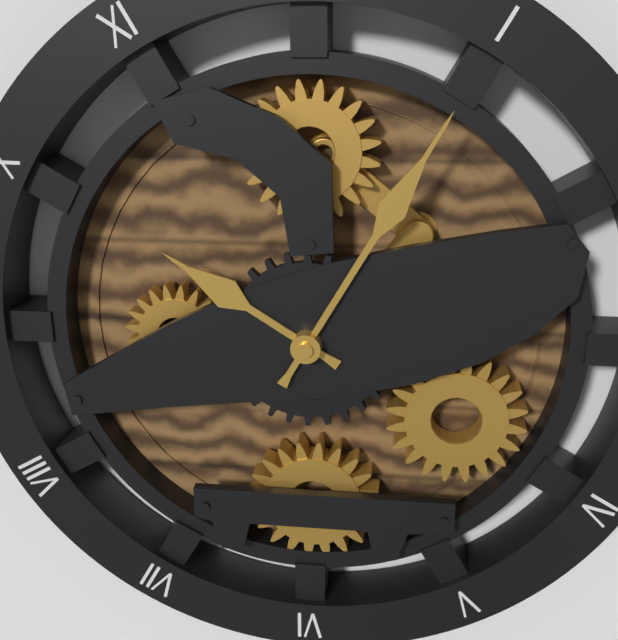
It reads 10:05
